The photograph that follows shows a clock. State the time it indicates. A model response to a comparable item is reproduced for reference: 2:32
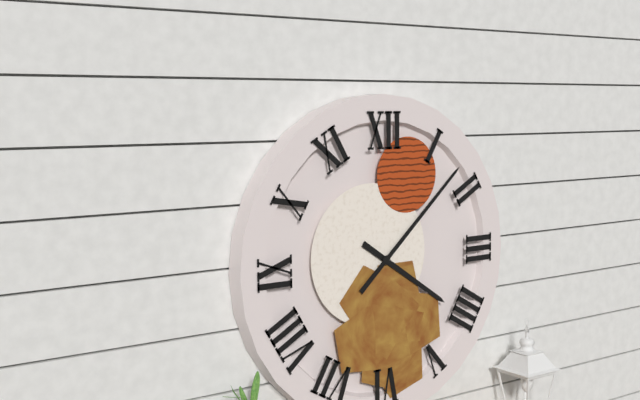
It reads 4:08
